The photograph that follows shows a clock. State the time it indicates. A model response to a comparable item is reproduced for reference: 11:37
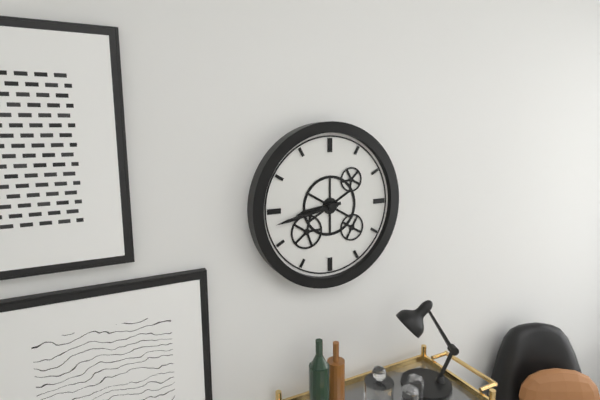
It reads 8:43
